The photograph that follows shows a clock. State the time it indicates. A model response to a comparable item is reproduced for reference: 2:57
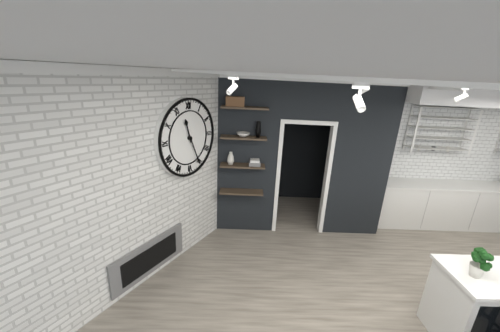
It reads 11:26
